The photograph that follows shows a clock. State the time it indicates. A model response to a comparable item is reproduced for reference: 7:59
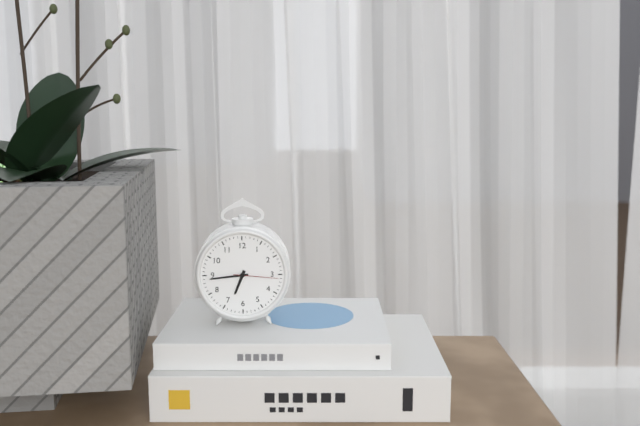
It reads 6:44
